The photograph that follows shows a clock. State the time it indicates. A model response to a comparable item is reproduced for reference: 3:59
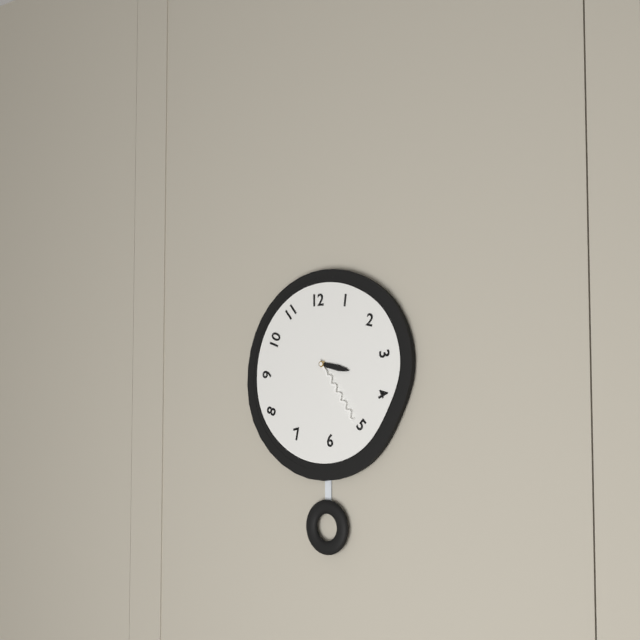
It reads 3:24
